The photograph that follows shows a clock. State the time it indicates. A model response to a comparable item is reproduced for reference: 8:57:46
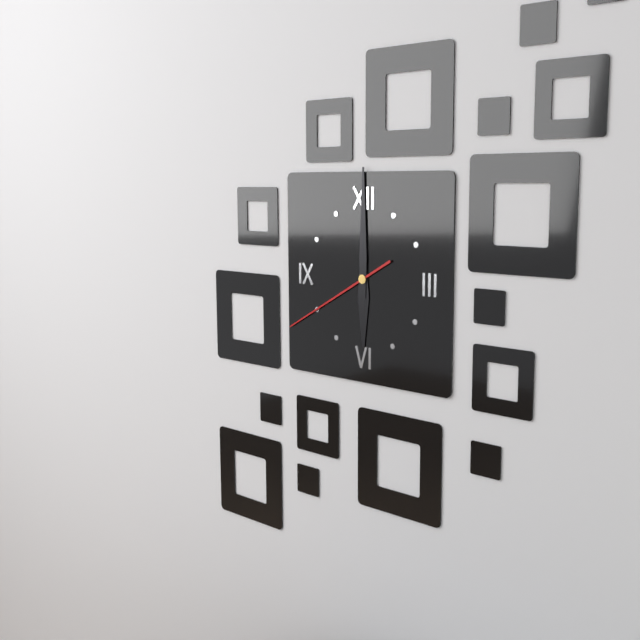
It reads 6:00:40
